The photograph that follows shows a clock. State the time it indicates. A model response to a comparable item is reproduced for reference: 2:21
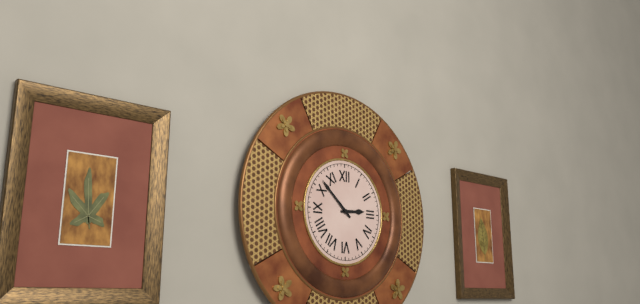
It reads 2:52
